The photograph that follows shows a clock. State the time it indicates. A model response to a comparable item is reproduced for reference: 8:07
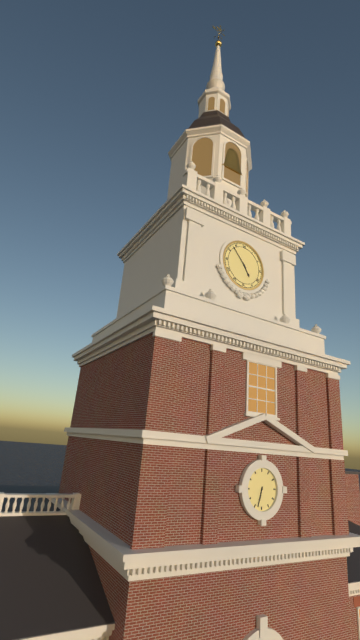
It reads 4:53
